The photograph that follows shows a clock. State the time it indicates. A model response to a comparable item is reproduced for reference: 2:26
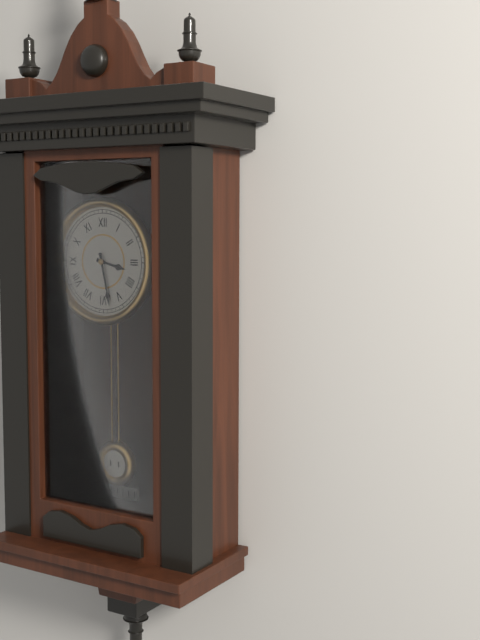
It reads 3:28
